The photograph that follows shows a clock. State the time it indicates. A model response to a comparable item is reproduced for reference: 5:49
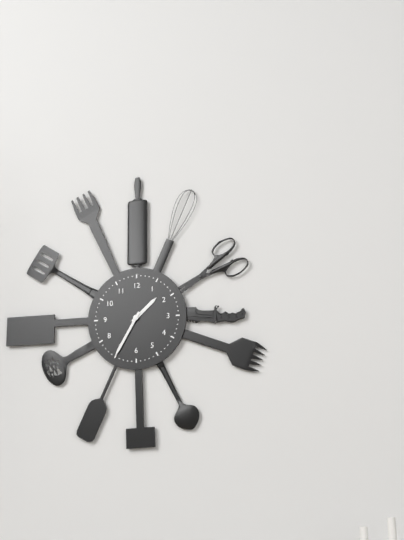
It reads 1:35
